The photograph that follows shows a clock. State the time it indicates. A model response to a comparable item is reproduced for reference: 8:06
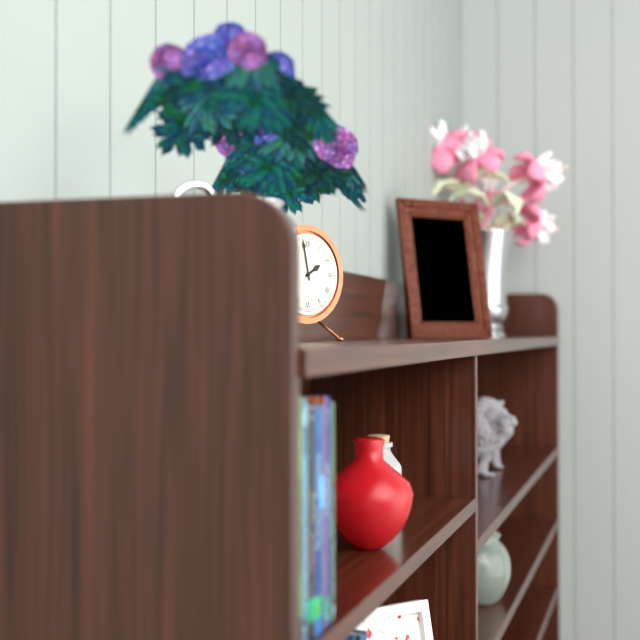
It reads 1:58
